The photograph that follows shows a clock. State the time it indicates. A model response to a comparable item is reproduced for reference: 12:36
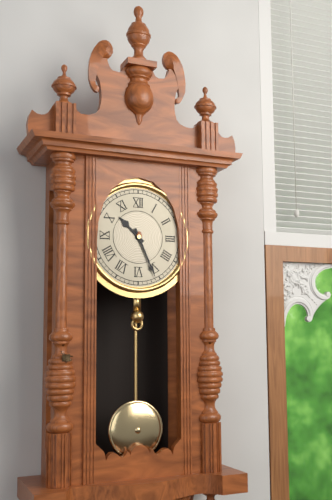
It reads 10:26
